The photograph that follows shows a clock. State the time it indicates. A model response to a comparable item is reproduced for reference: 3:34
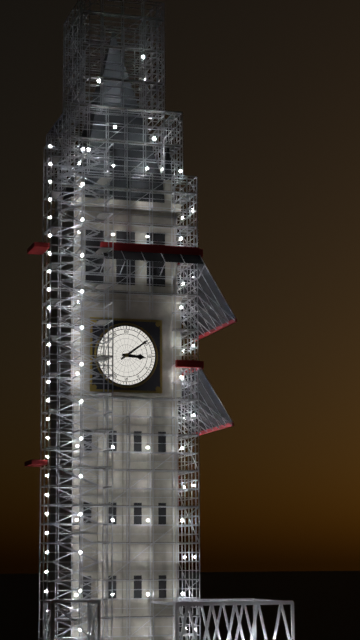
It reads 3:09
